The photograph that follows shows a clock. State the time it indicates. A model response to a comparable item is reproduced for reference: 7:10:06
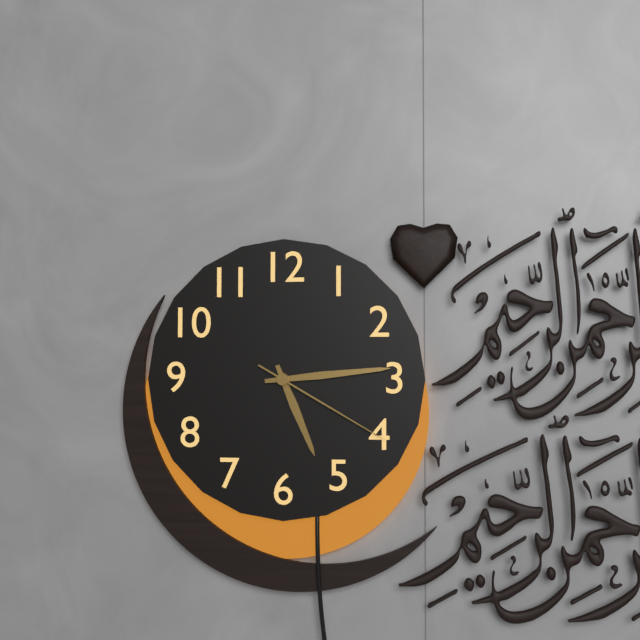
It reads 5:14:20
